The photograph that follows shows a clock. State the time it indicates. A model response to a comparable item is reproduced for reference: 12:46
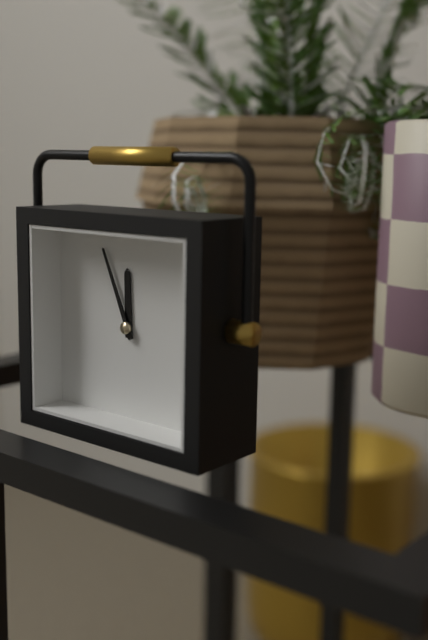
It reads 11:56
